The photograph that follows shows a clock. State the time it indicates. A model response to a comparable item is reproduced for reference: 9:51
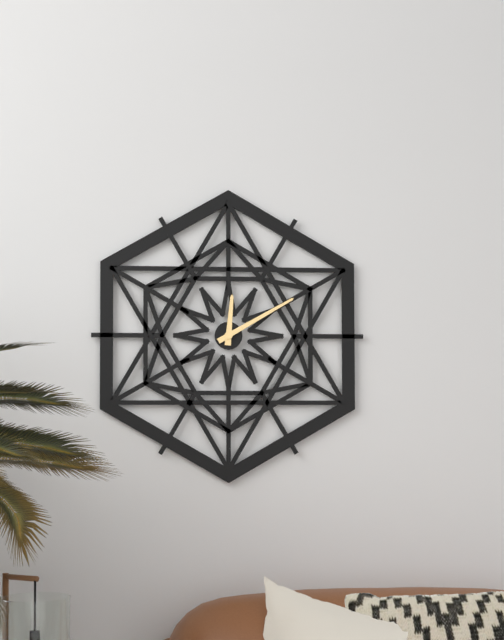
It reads 12:10
